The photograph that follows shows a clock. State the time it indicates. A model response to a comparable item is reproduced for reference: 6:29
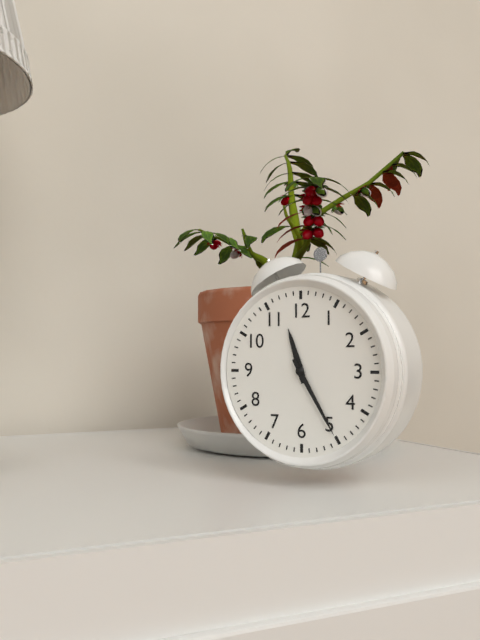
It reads 11:25
